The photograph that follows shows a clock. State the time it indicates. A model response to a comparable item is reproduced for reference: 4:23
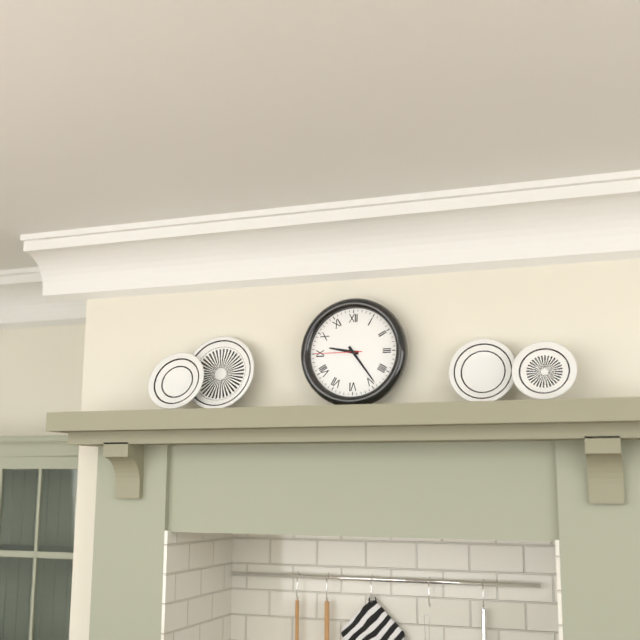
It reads 9:24
